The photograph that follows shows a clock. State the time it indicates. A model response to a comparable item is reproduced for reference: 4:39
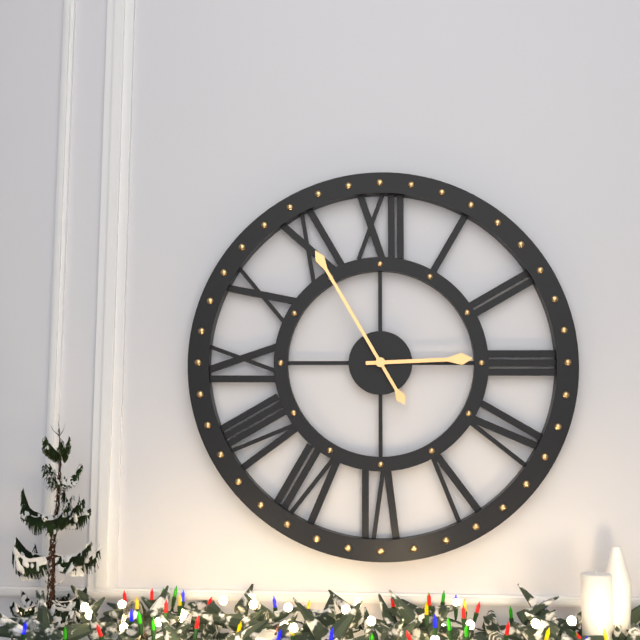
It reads 2:55
